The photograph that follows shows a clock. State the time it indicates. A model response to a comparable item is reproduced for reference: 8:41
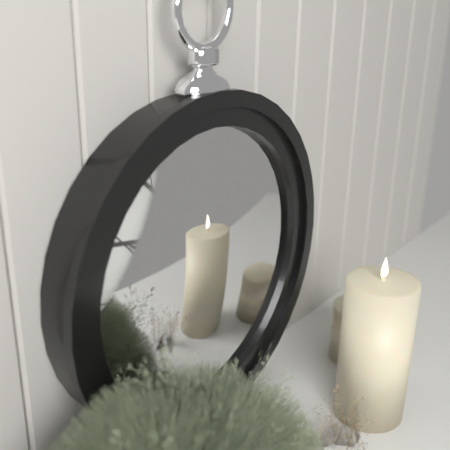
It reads 6:50
